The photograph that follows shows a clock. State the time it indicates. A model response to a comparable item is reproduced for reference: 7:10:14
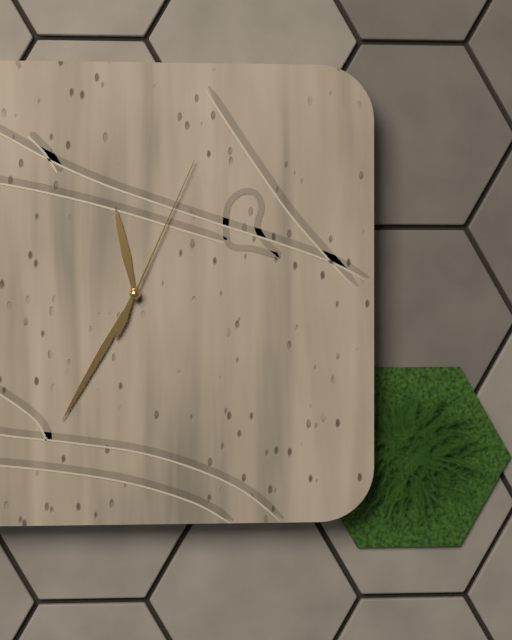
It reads 11:35:04
